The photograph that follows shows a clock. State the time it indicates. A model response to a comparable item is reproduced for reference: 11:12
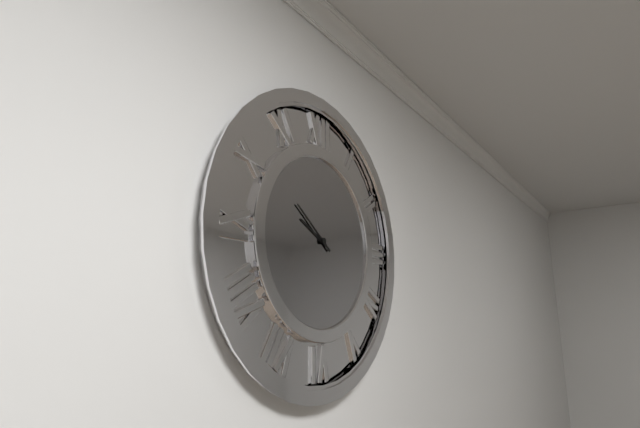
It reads 9:51
